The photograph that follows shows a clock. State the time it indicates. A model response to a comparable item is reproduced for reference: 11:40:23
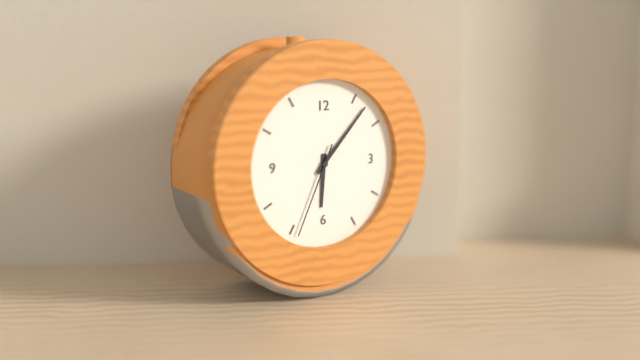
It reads 6:07:34
